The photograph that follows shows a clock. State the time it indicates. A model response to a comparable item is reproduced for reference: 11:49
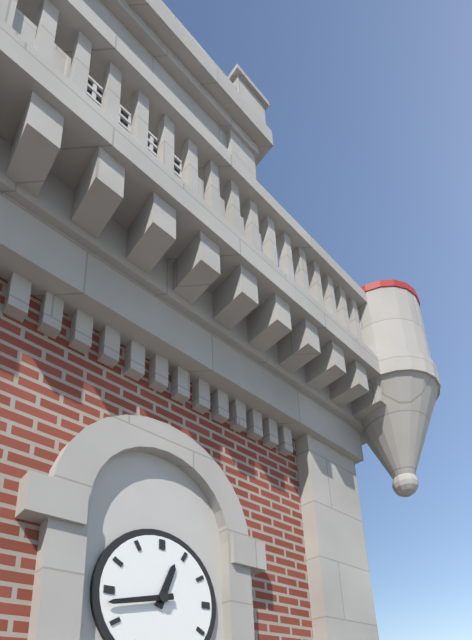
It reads 12:43
